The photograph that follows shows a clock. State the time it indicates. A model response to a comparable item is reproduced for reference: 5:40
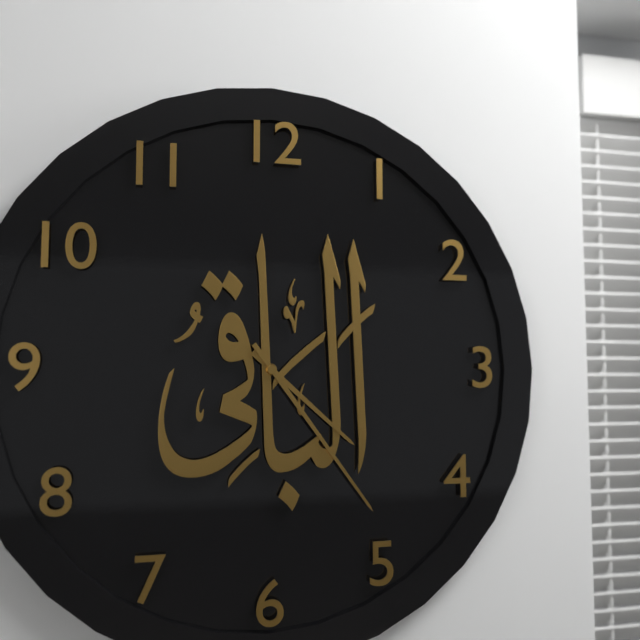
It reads 4:24
